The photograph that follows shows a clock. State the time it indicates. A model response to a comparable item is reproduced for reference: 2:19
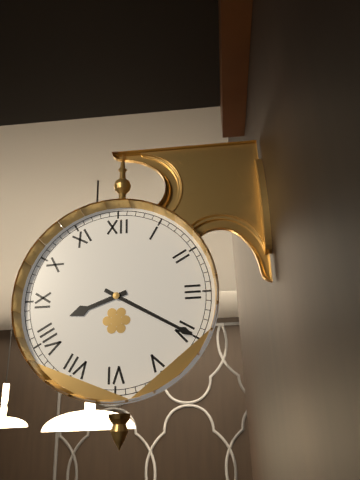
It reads 8:20
